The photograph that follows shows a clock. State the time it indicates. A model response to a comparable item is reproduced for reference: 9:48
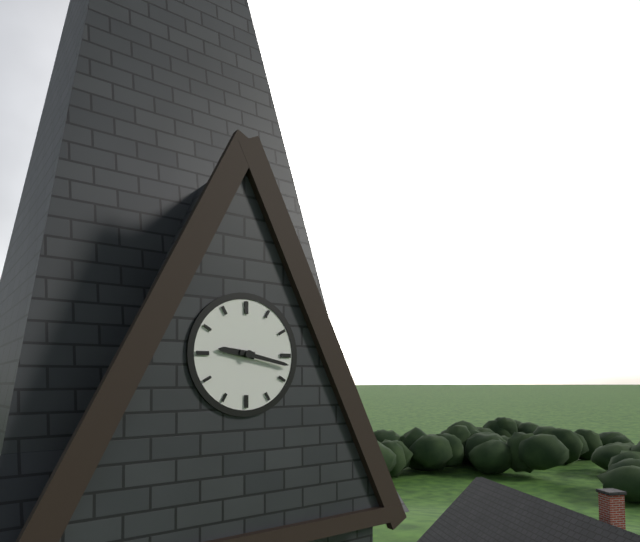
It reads 9:17
